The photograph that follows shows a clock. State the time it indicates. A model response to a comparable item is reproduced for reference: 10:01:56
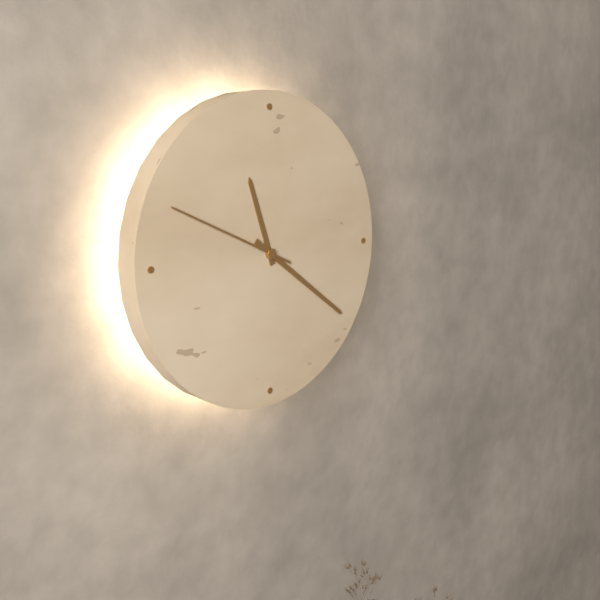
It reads 11:21:49
